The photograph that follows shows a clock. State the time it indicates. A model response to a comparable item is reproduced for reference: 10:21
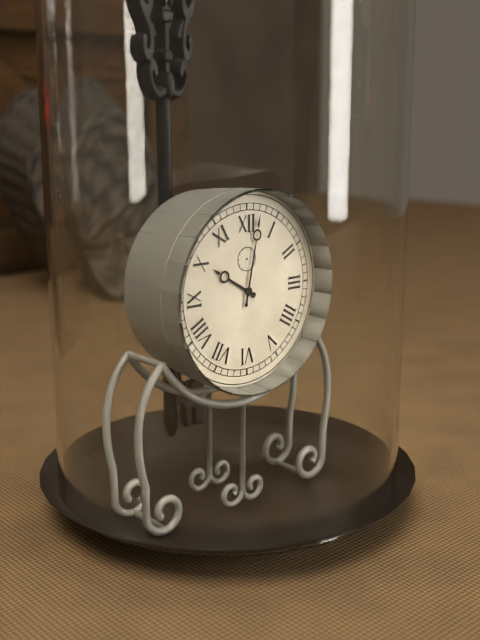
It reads 10:02
